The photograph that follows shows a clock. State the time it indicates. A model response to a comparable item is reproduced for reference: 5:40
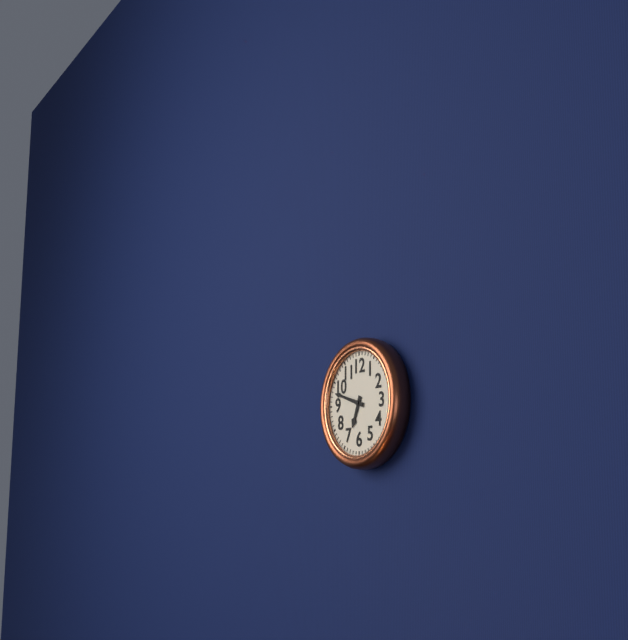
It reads 6:48
